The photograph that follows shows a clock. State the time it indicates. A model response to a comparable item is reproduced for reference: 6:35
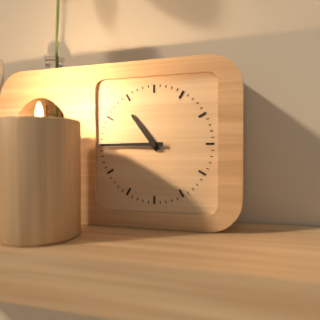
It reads 10:45
